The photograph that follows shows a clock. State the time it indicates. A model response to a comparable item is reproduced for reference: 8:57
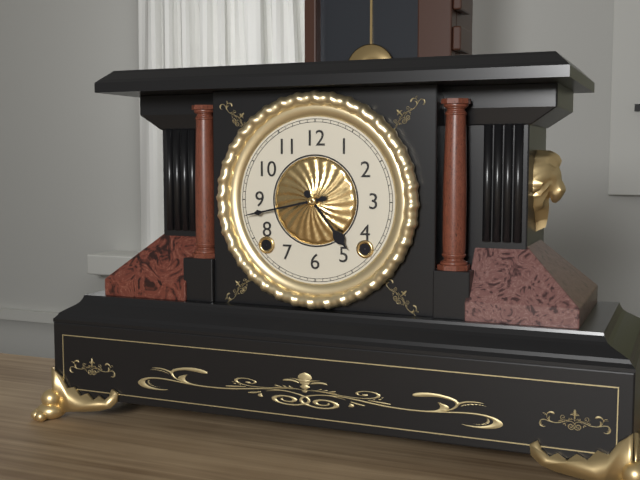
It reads 4:43
